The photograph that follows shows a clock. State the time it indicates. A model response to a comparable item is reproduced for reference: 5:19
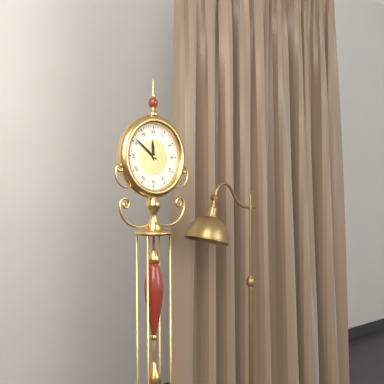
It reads 11:51
